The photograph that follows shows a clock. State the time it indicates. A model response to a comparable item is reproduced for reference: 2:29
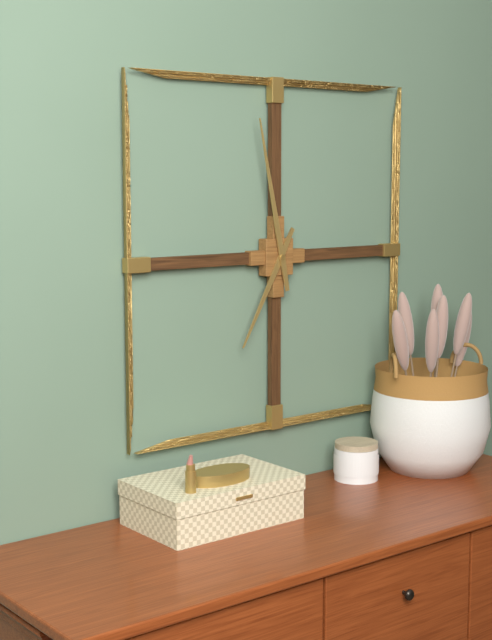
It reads 6:58
